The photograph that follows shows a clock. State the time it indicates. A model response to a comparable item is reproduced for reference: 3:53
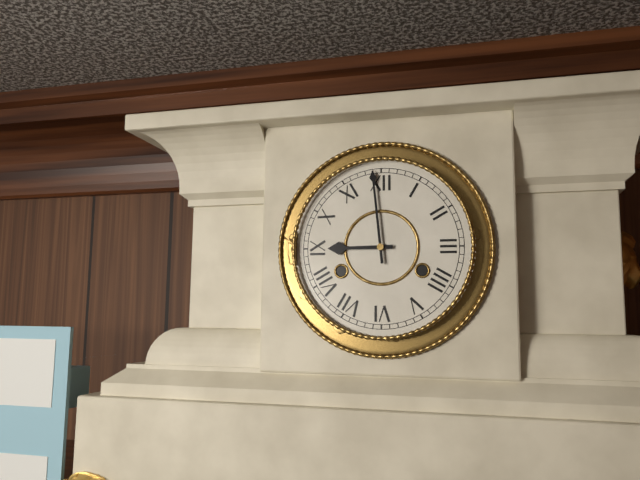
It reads 8:59
